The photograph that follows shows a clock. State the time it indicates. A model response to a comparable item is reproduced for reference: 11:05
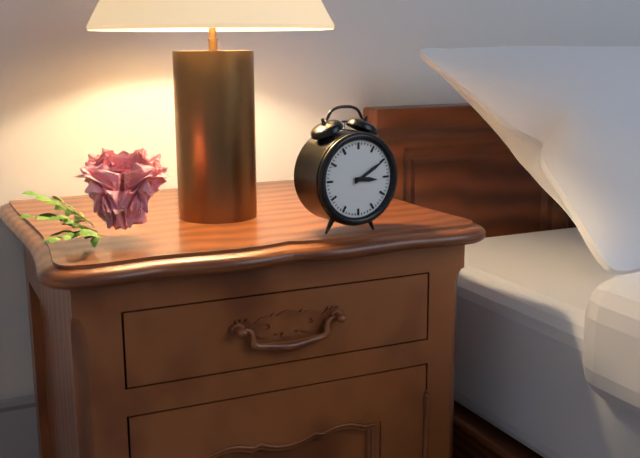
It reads 3:10
